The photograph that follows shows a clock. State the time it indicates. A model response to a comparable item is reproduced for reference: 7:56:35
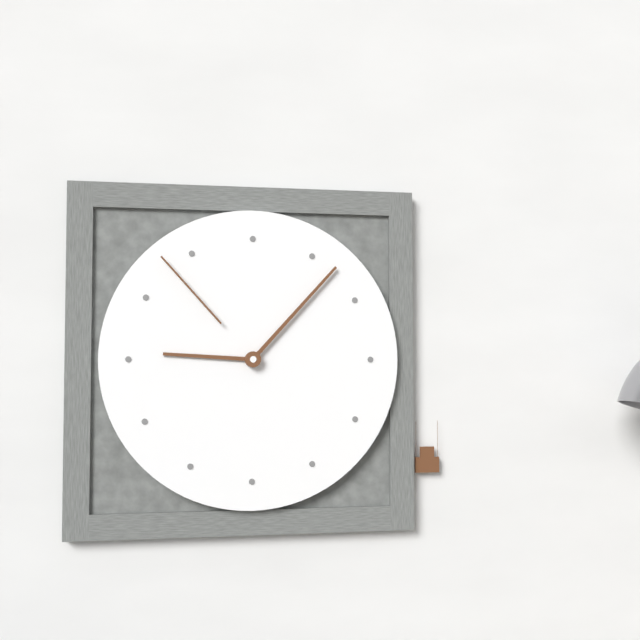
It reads 9:07:53
